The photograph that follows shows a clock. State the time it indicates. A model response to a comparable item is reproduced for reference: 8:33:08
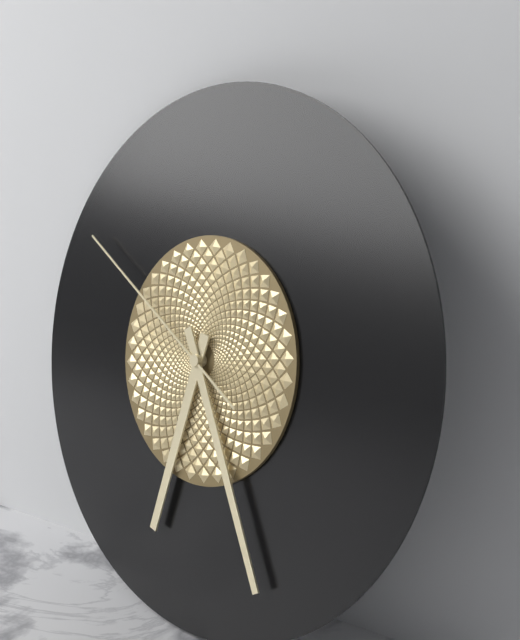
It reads 6:25:50
